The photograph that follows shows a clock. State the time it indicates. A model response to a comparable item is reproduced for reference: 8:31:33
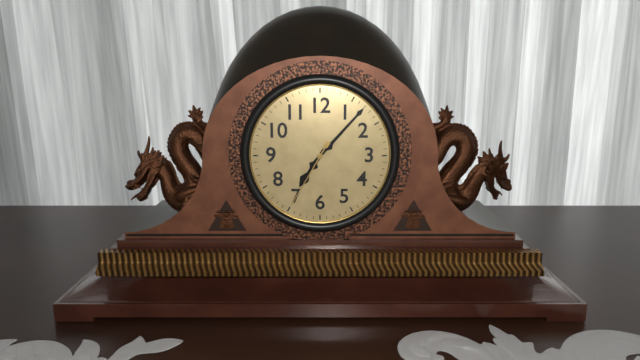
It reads 7:07:35
